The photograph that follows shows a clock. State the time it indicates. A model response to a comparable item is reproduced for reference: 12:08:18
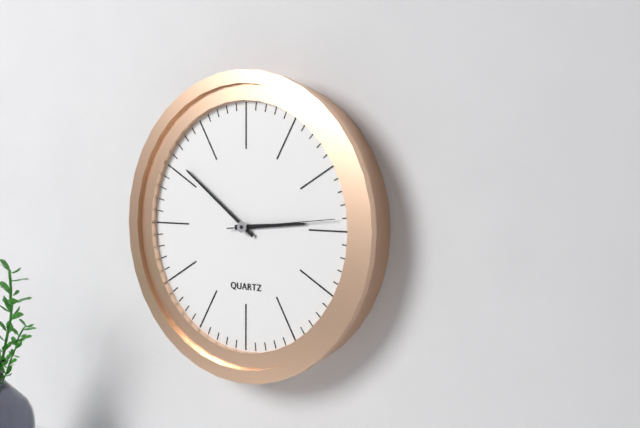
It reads 2:51:14
